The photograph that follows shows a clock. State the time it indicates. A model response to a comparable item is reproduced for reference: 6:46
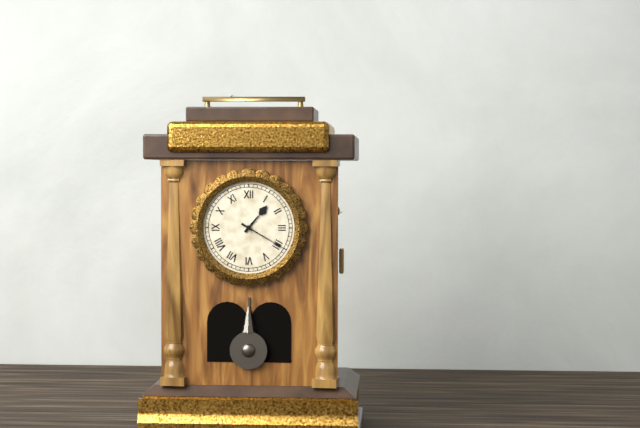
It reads 1:20
